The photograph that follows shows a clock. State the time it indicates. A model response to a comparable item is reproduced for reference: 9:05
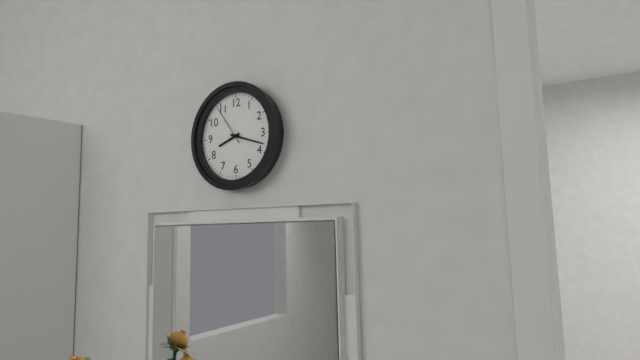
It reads 8:18
